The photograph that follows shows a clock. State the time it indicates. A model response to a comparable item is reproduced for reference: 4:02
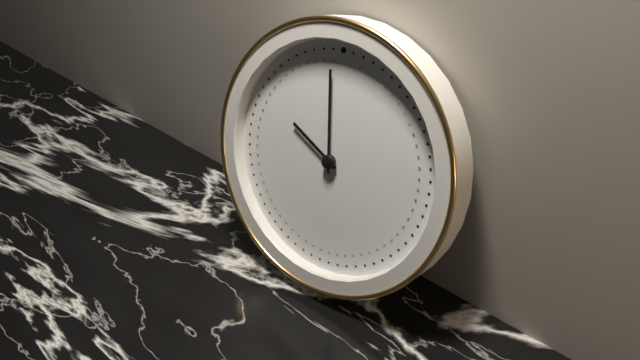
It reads 9:59
